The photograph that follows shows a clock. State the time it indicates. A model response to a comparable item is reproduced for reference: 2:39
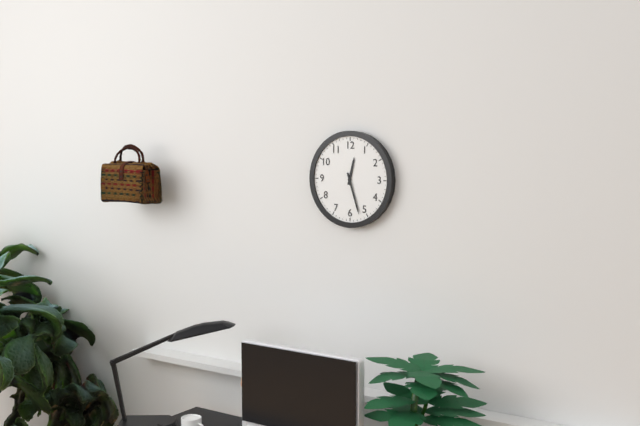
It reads 12:27
